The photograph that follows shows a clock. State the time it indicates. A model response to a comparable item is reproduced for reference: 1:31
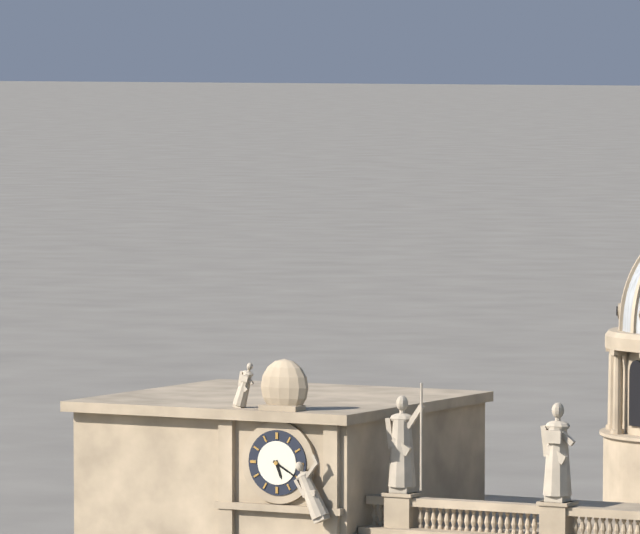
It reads 5:20
